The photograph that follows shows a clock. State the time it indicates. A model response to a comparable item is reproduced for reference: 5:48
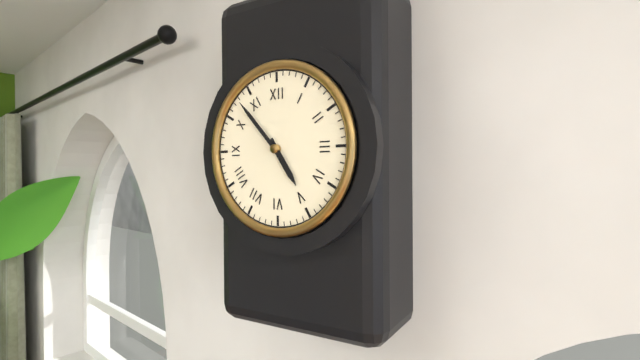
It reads 4:53
